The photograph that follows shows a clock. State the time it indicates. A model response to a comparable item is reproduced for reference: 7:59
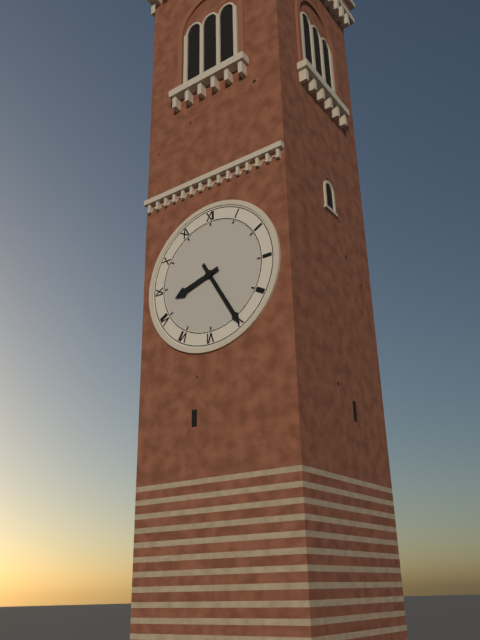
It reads 8:25
